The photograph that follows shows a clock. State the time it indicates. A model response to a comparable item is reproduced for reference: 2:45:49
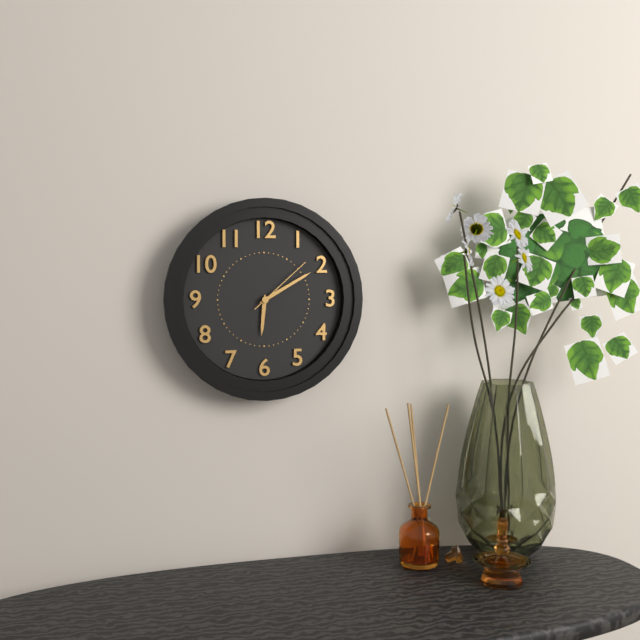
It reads 6:10:08
